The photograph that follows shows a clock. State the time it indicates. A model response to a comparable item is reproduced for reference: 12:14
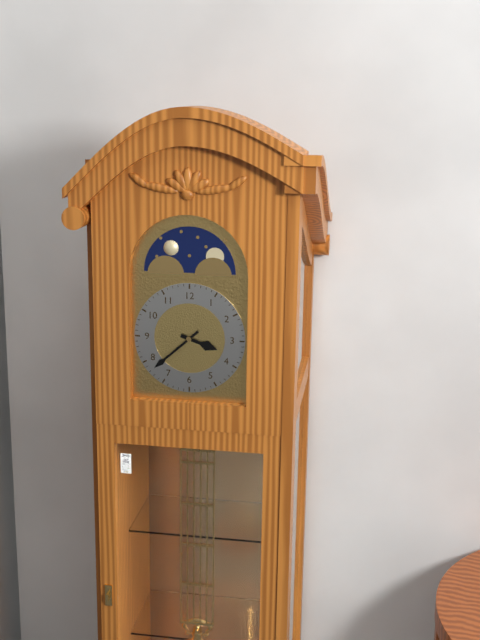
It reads 3:38
